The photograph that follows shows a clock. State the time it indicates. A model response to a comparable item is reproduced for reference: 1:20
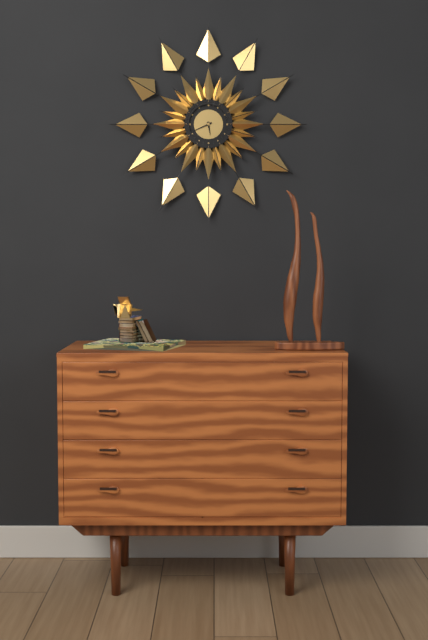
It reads 5:41
